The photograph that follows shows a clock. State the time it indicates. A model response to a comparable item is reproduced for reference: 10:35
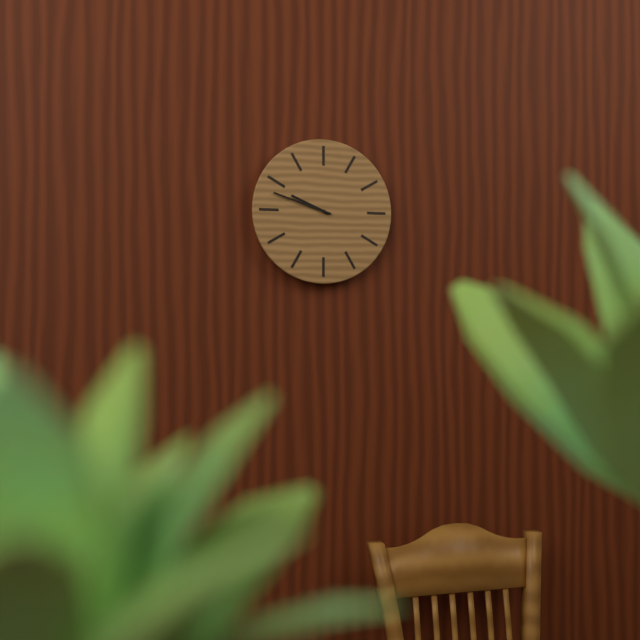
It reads 9:48
